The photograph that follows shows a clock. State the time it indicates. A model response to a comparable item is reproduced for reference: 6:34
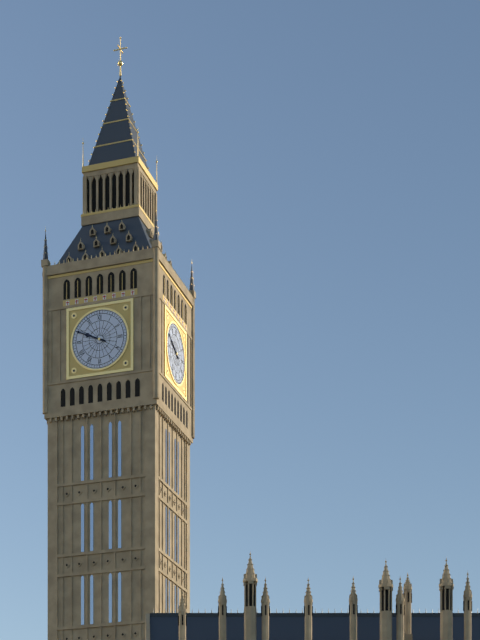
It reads 9:49
